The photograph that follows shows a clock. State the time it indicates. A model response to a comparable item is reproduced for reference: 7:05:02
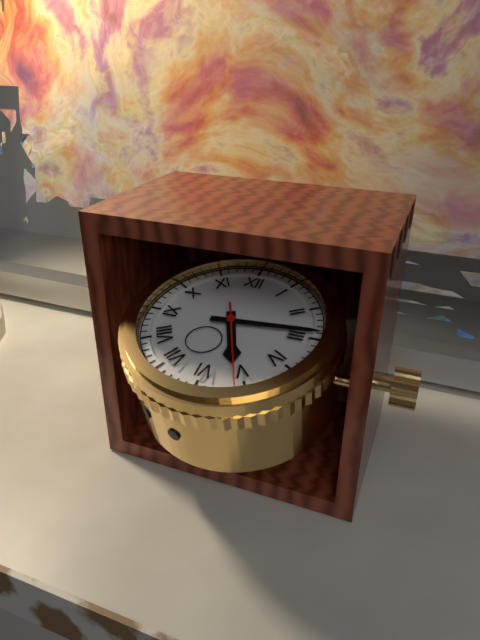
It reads 5:14:26
